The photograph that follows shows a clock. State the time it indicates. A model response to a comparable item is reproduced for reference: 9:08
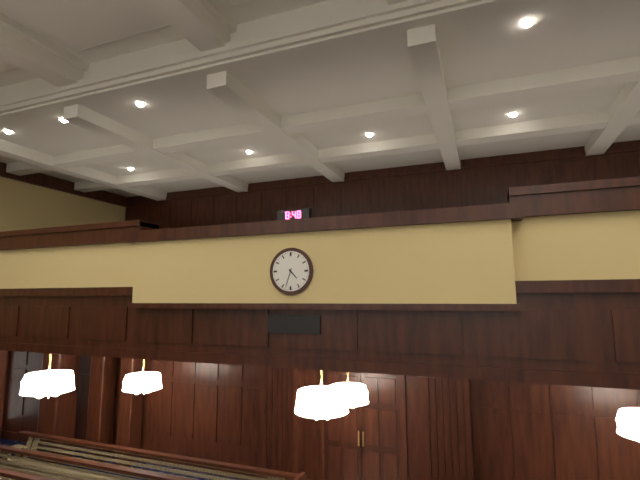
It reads 4:33
